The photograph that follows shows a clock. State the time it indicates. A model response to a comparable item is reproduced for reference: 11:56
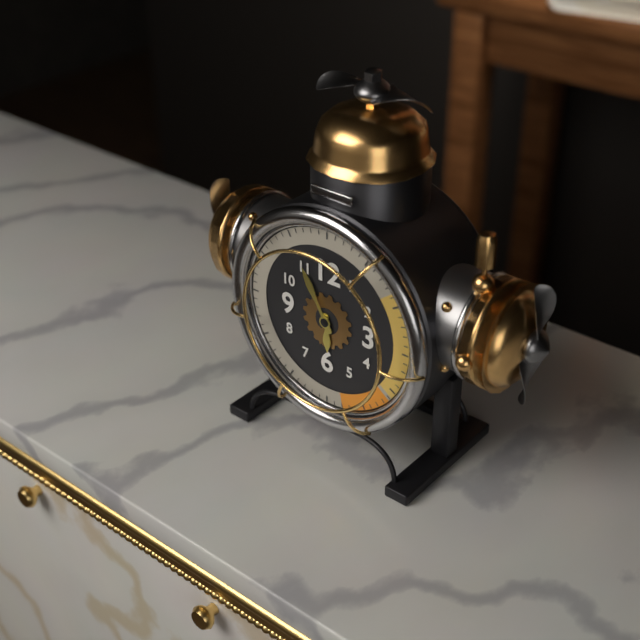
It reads 5:55
